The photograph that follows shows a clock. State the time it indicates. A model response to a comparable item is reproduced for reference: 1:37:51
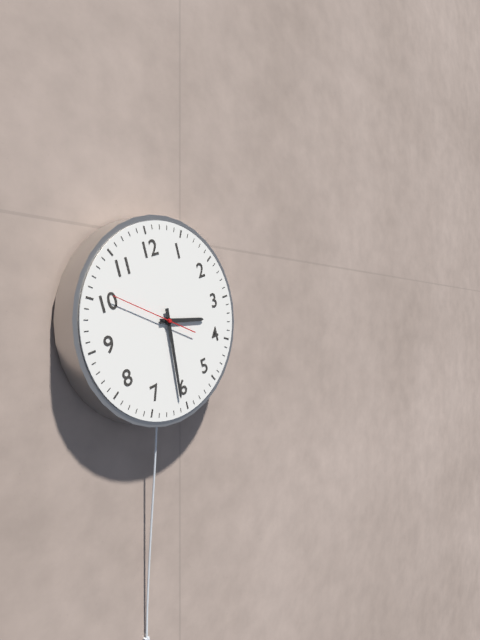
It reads 3:31:51
